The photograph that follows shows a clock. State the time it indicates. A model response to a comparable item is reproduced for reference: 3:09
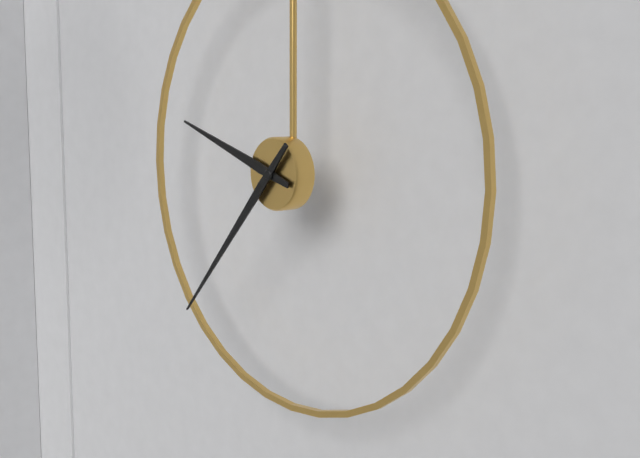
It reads 9:37
